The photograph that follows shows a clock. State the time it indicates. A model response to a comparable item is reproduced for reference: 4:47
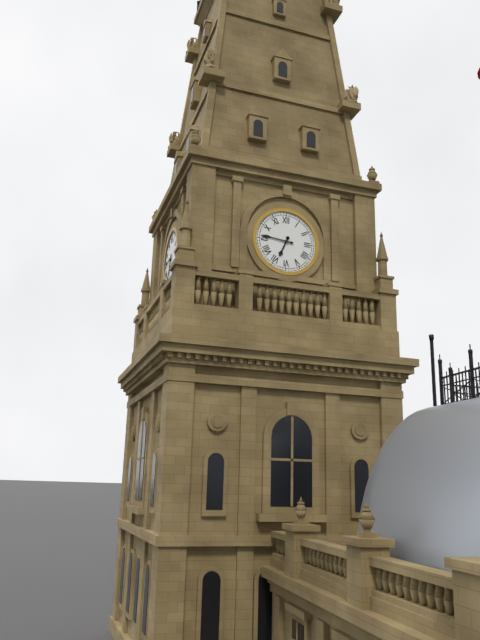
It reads 6:46
